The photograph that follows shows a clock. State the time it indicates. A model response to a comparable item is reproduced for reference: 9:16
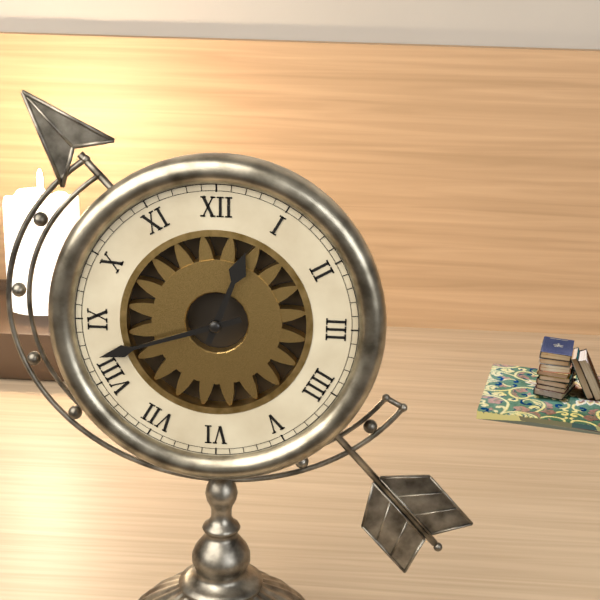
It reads 12:42
